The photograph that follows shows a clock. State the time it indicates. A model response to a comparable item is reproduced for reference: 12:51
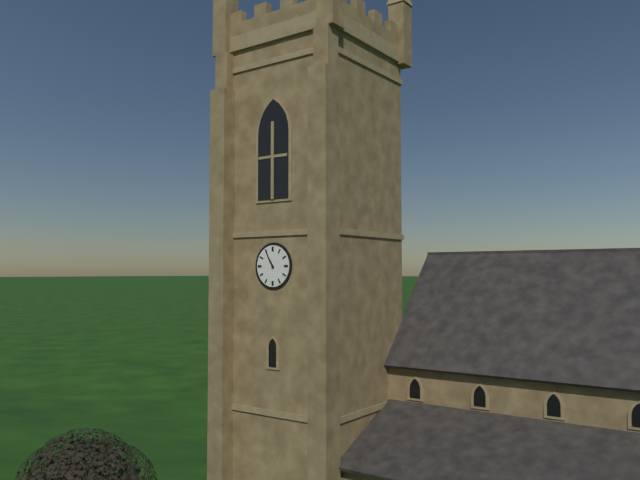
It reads 10:55
